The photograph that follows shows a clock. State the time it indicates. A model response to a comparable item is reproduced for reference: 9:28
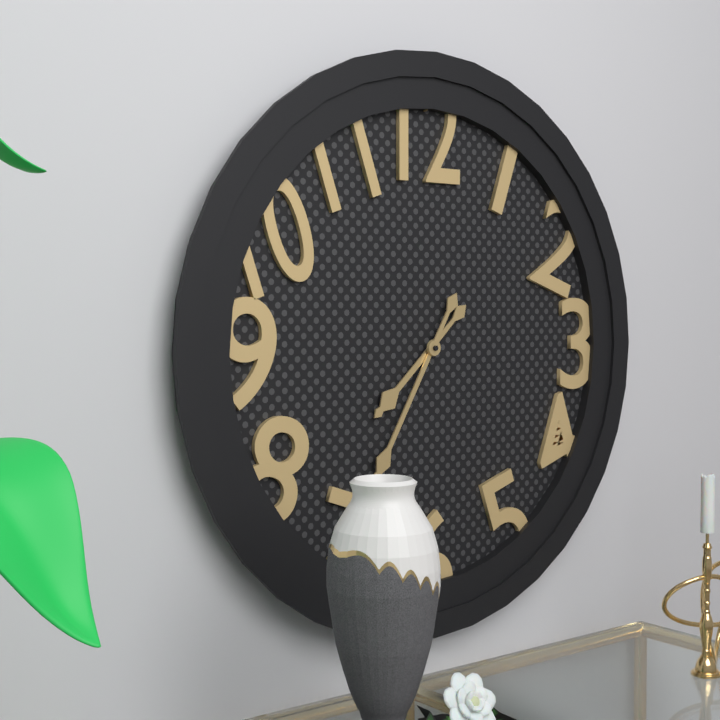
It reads 7:35
